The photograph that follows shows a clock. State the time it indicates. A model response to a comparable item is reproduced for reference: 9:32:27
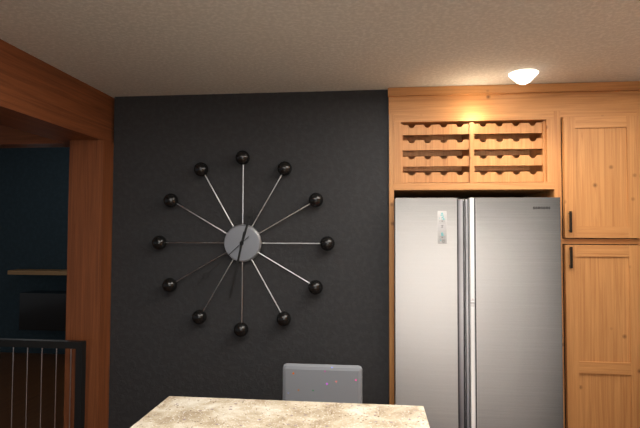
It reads 12:32:38
